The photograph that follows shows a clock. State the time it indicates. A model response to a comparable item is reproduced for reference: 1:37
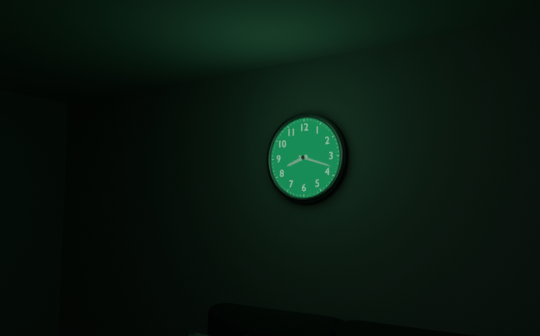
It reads 8:18
